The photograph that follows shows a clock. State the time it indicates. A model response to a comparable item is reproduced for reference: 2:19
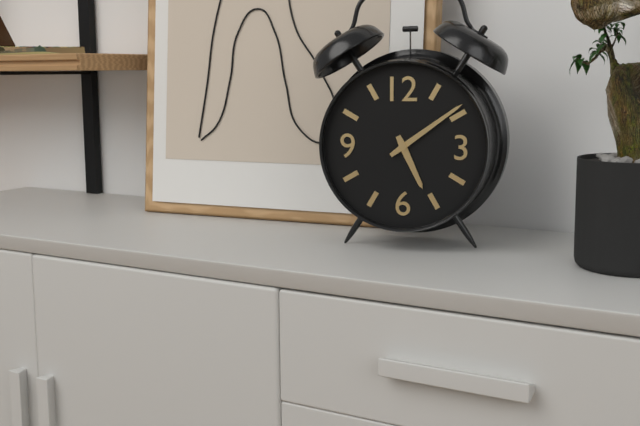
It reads 5:09
